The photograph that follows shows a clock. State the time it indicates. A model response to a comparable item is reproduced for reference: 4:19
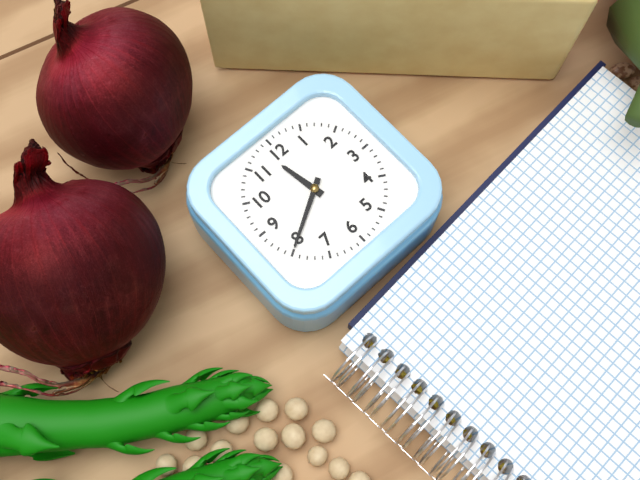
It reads 11:40
